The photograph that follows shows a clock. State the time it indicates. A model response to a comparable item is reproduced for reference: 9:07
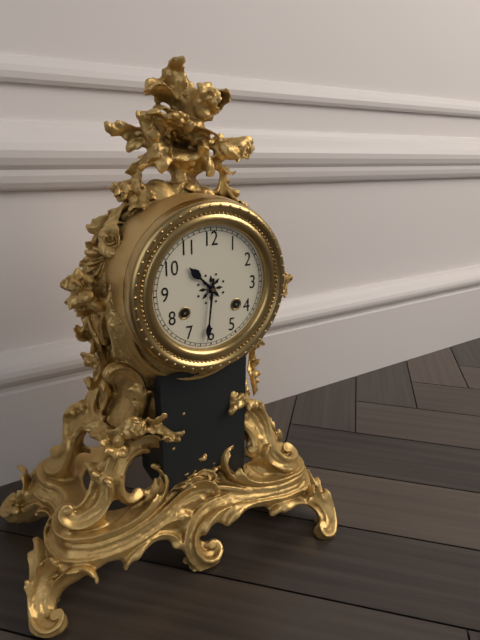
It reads 10:31
